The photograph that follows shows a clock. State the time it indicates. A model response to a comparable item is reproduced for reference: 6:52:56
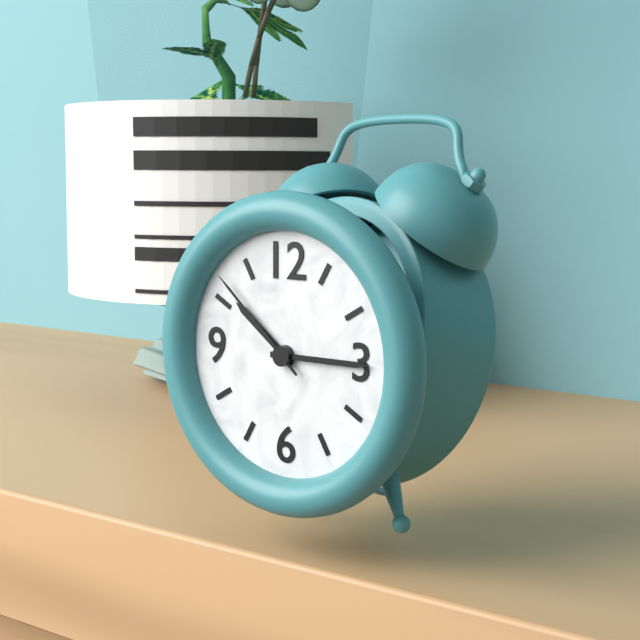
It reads 10:15:52
